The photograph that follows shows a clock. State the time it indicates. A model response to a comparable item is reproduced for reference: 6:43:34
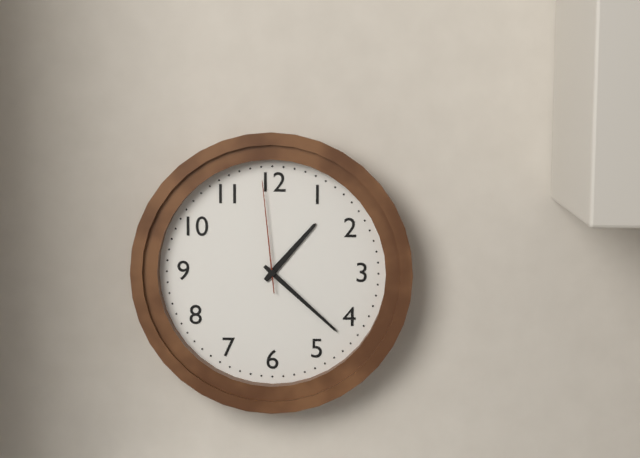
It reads 1:22:59
